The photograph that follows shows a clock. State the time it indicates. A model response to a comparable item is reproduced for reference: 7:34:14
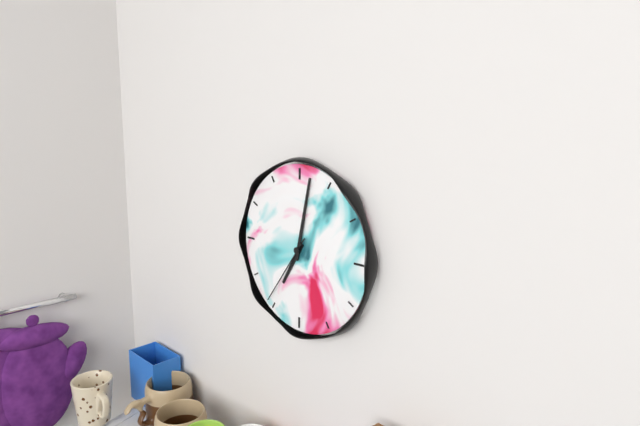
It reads 7:02:36
